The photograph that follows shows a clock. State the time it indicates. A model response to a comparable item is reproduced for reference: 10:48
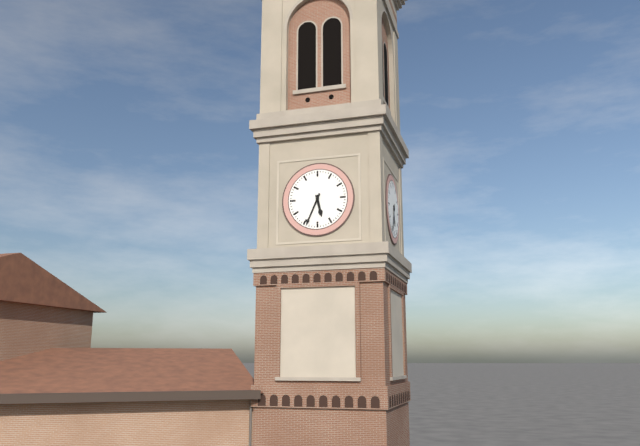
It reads 5:34
